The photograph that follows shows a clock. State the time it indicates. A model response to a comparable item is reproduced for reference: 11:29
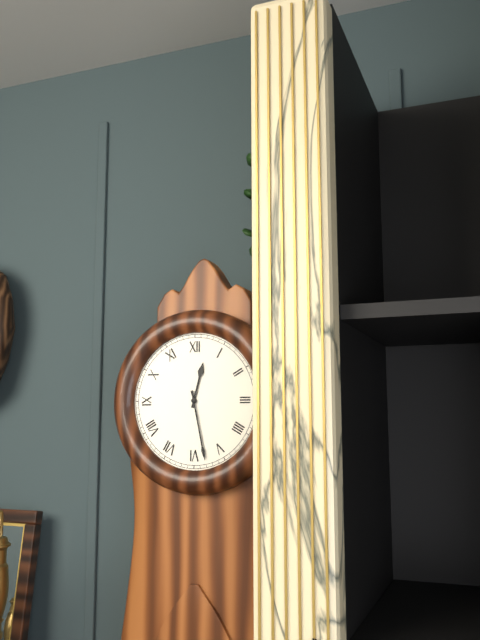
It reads 12:28
